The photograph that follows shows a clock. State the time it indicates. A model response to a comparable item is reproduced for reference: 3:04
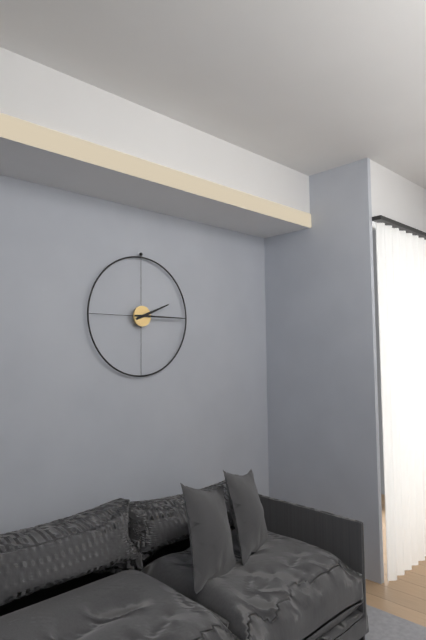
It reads 2:15
